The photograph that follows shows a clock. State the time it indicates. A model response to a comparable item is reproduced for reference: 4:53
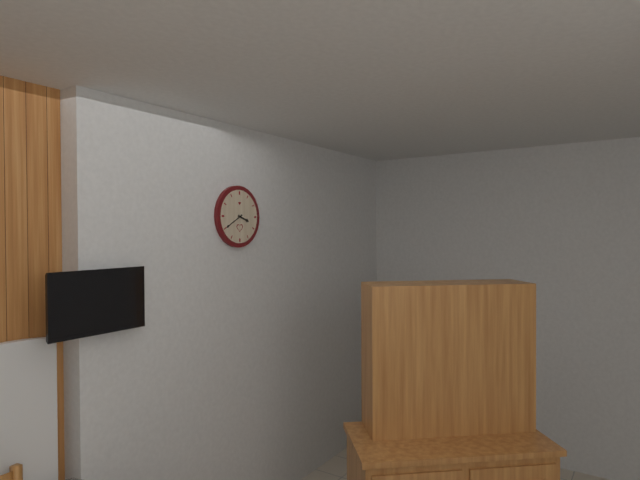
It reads 3:40
